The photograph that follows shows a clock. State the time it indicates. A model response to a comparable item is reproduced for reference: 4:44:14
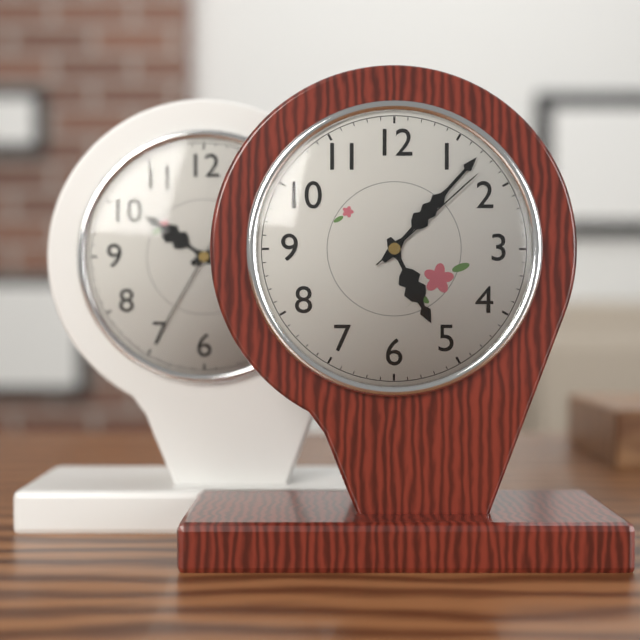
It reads 5:07:08
